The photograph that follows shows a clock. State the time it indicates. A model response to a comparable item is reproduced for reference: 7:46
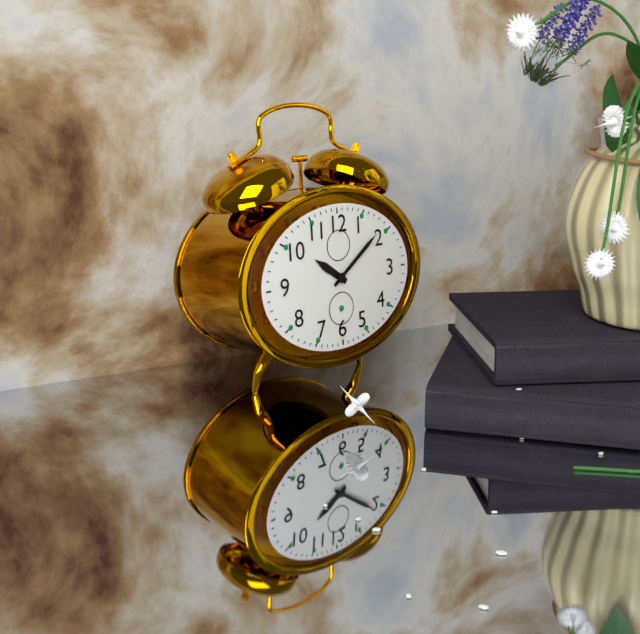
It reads 10:09
